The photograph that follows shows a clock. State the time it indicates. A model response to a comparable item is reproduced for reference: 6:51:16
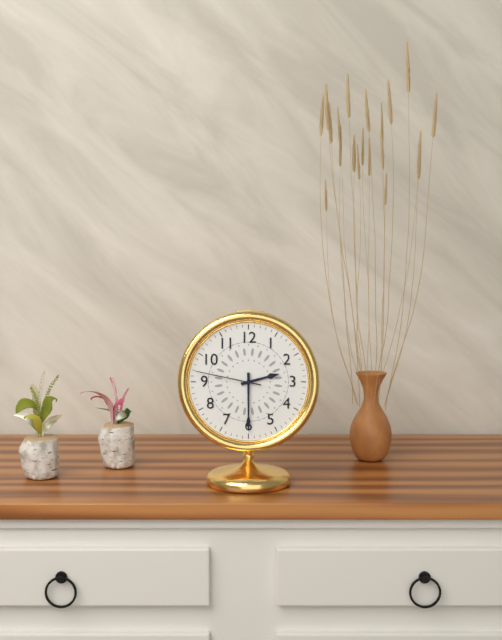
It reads 2:30:47
